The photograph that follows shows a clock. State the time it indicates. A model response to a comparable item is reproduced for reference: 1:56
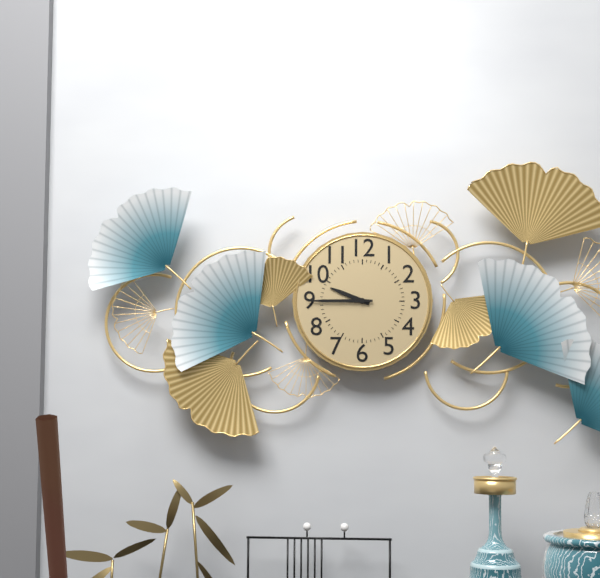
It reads 9:45
